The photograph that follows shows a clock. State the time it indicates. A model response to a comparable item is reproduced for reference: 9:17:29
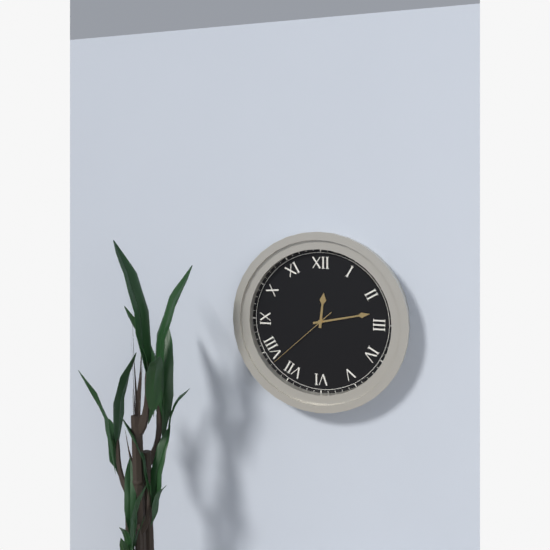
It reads 12:13:38
